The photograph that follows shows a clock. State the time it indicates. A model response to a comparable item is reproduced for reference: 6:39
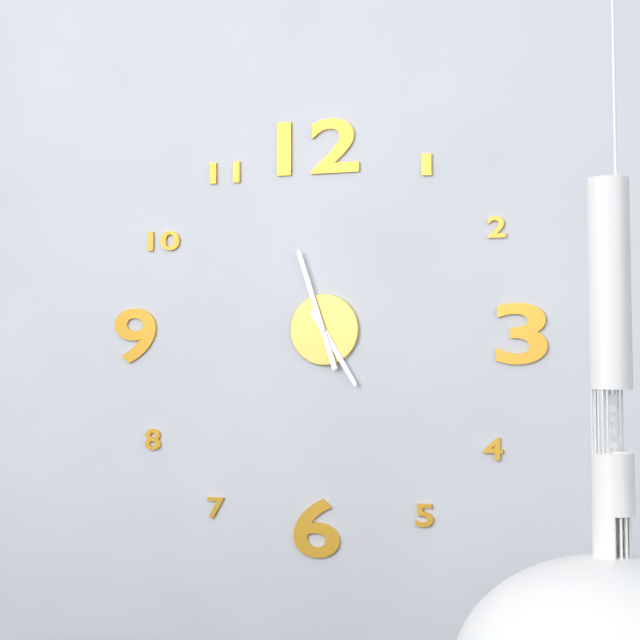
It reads 4:57
